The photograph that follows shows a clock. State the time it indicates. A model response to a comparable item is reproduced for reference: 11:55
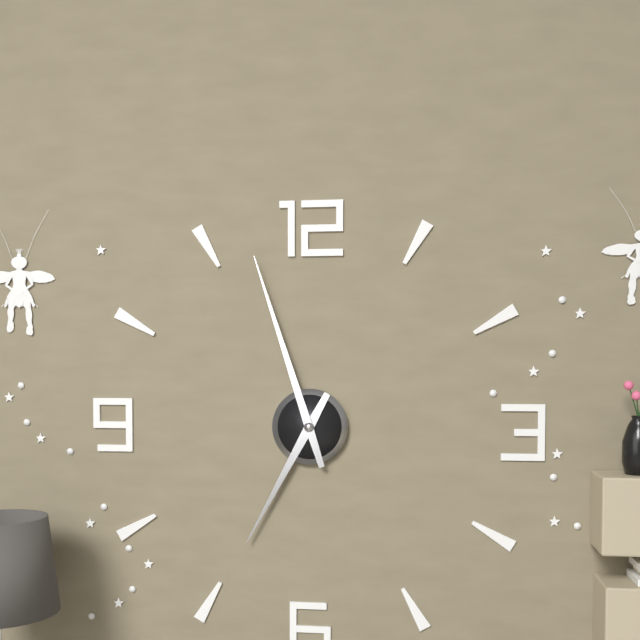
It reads 6:57
